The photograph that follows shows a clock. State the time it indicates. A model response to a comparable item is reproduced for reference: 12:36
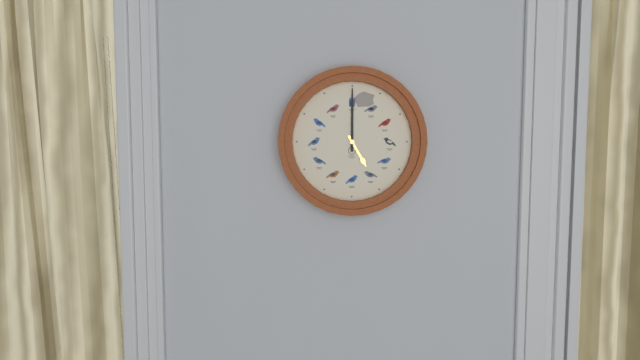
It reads 5:00
